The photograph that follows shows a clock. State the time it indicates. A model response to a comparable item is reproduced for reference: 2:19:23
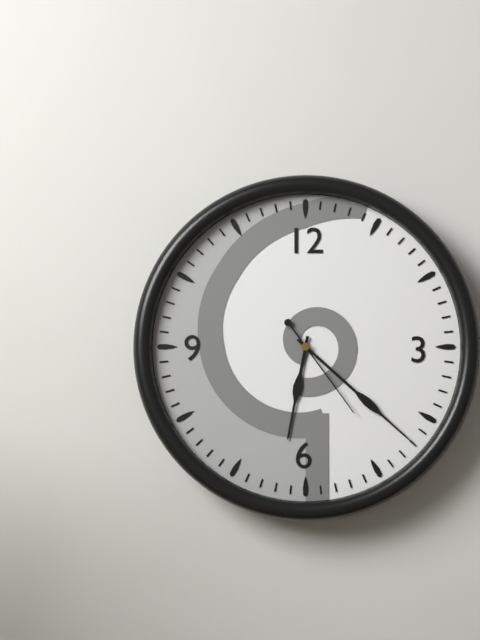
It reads 6:22:24
